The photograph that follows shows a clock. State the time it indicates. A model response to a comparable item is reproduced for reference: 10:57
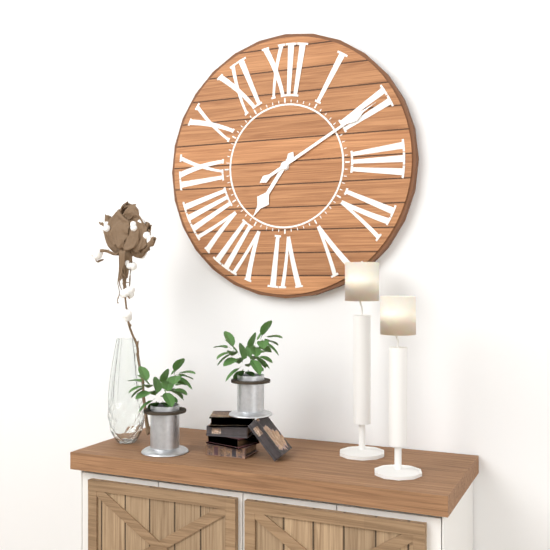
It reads 7:10
